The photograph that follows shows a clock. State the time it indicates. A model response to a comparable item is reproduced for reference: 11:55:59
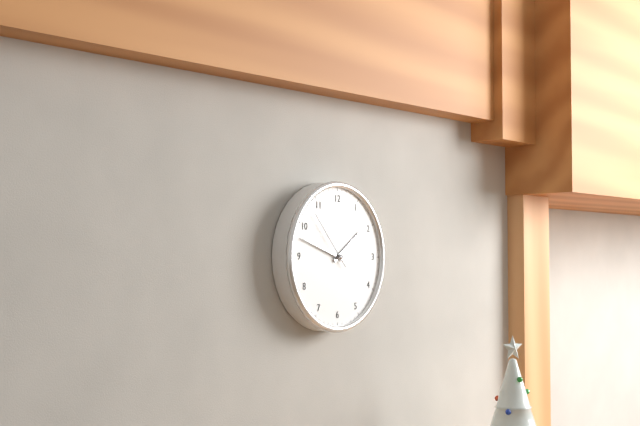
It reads 1:48:53
